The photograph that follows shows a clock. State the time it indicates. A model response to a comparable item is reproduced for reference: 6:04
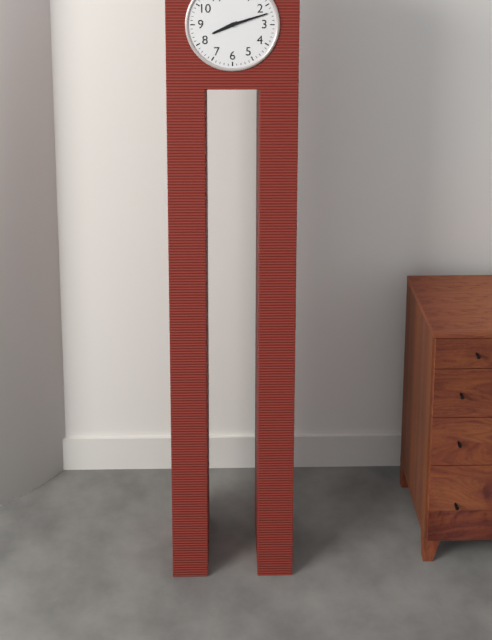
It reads 8:12
